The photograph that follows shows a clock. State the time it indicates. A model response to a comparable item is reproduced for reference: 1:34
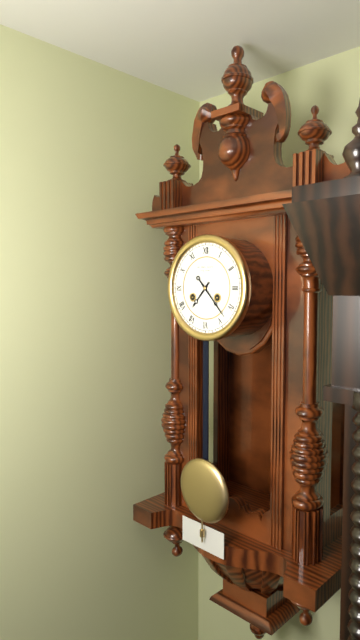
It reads 7:23
